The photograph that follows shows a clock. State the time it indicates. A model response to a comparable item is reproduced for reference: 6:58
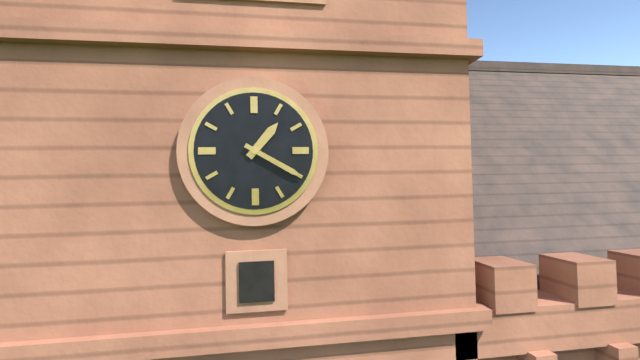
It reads 1:20
